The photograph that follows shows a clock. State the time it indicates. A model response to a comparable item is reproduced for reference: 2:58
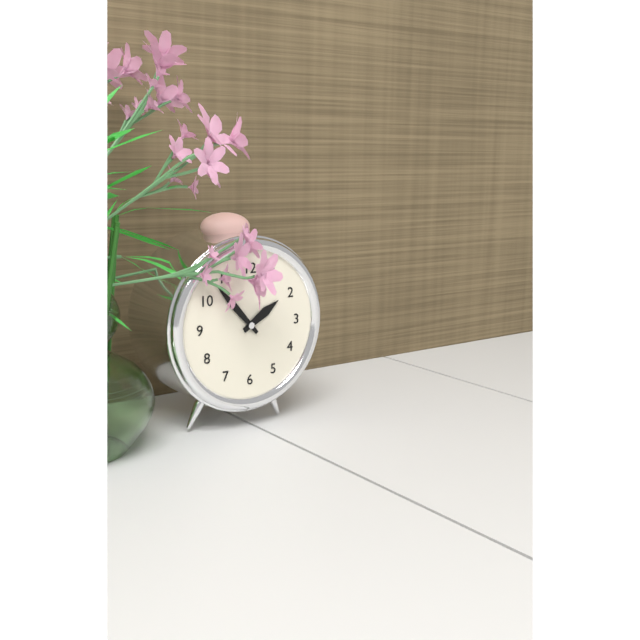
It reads 1:53
